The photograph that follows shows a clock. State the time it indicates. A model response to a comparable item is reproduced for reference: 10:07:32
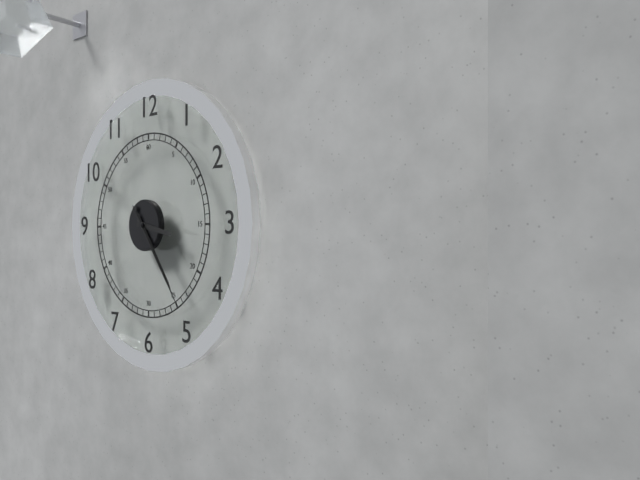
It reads 3:24:24
